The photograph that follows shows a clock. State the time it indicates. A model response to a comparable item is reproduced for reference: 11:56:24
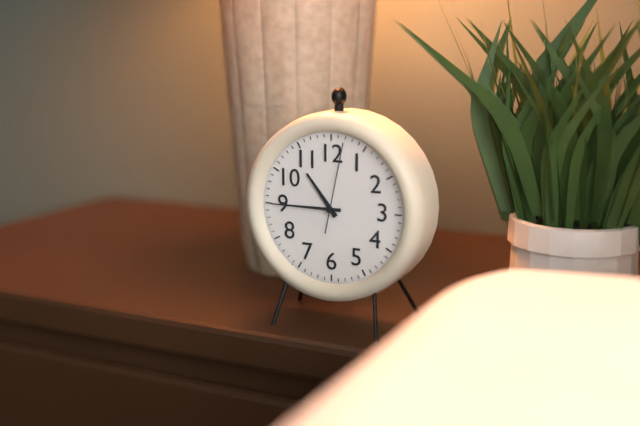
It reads 10:45:02
